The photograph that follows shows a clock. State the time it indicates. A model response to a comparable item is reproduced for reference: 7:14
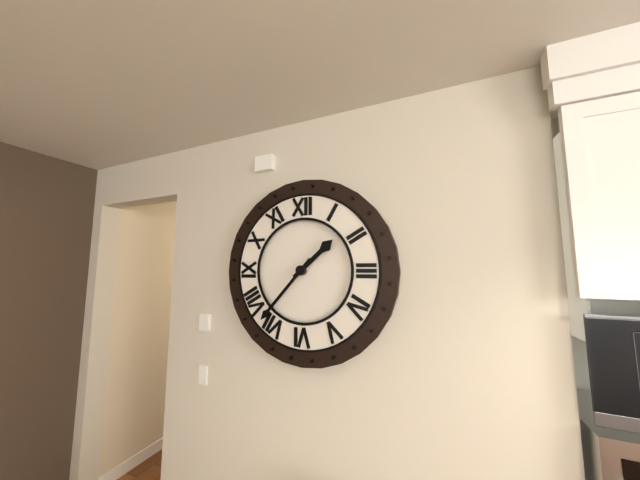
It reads 1:37
